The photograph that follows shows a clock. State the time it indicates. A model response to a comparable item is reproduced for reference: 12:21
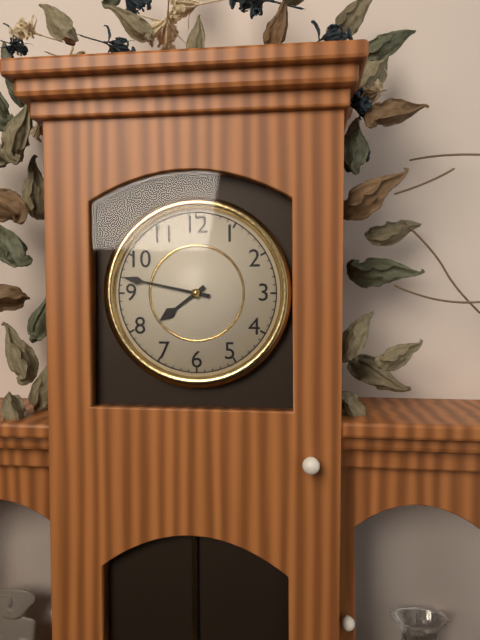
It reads 7:47
